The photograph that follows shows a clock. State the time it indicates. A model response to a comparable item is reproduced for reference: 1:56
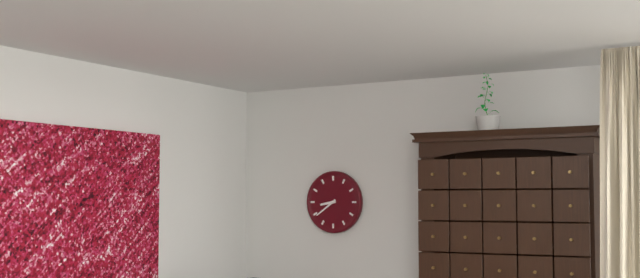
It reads 8:39
